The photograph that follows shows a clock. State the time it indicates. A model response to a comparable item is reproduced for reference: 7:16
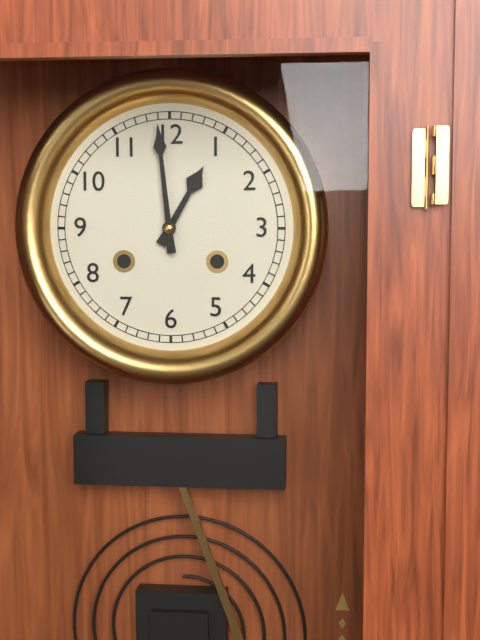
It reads 12:59
